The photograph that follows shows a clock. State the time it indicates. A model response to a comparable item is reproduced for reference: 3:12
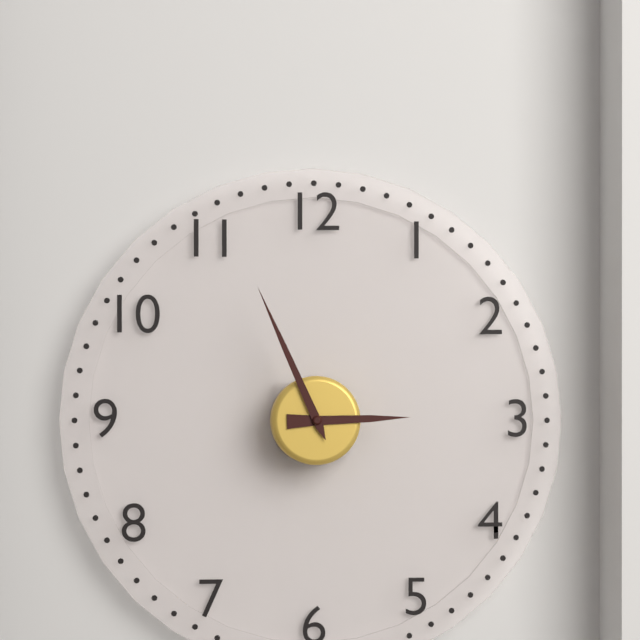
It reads 2:56
